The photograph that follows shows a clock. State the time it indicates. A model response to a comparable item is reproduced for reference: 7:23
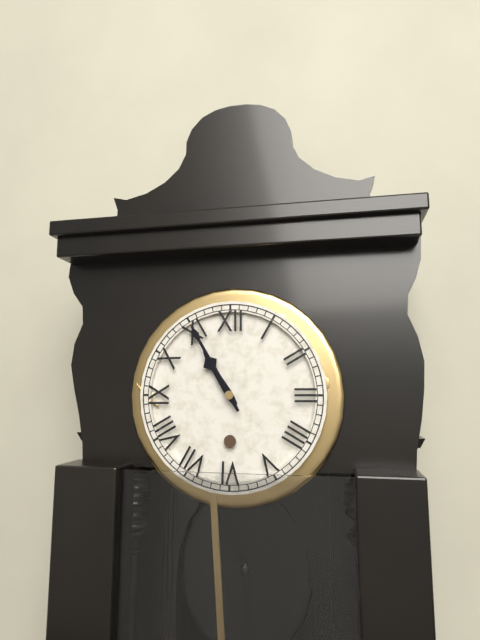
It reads 10:55
